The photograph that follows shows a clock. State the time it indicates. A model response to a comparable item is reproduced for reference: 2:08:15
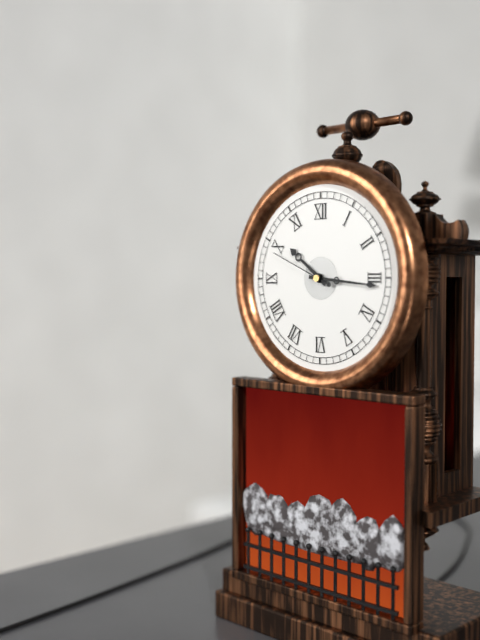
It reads 10:16:49
